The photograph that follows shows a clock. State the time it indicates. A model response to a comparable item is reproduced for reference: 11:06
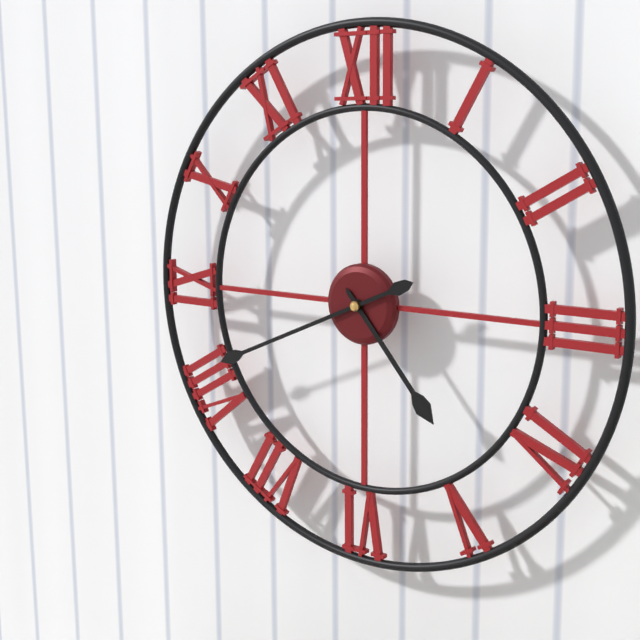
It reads 4:41
